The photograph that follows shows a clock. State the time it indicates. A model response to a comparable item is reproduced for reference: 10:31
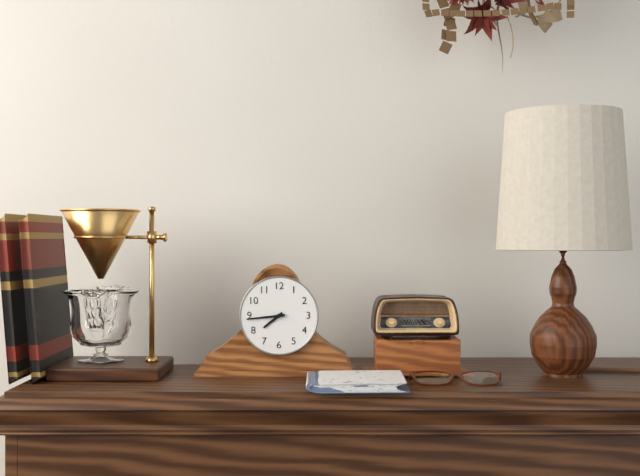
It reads 7:44
